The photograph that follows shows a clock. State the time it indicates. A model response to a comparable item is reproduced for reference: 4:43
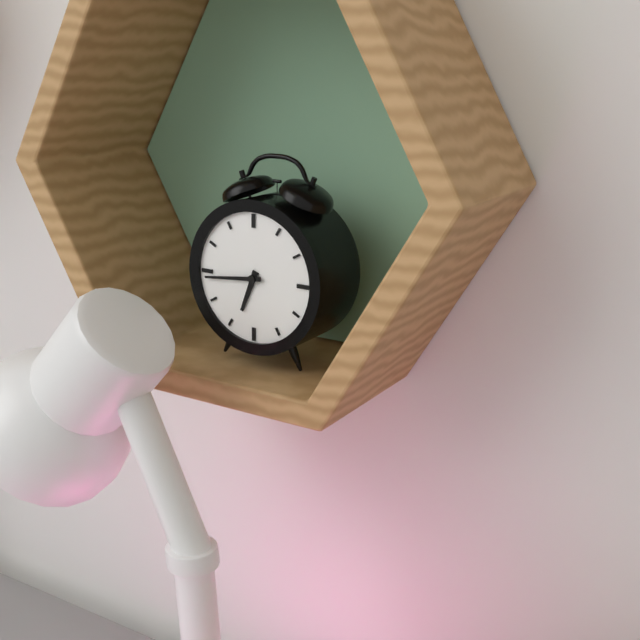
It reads 6:44
